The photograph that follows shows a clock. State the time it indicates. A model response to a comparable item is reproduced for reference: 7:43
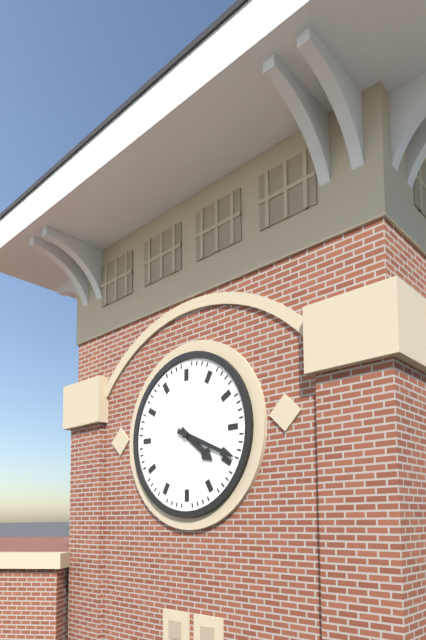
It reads 4:19
